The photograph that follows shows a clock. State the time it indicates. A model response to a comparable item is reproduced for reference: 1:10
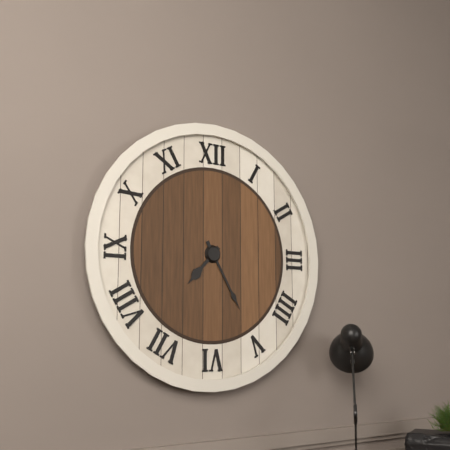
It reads 7:25
